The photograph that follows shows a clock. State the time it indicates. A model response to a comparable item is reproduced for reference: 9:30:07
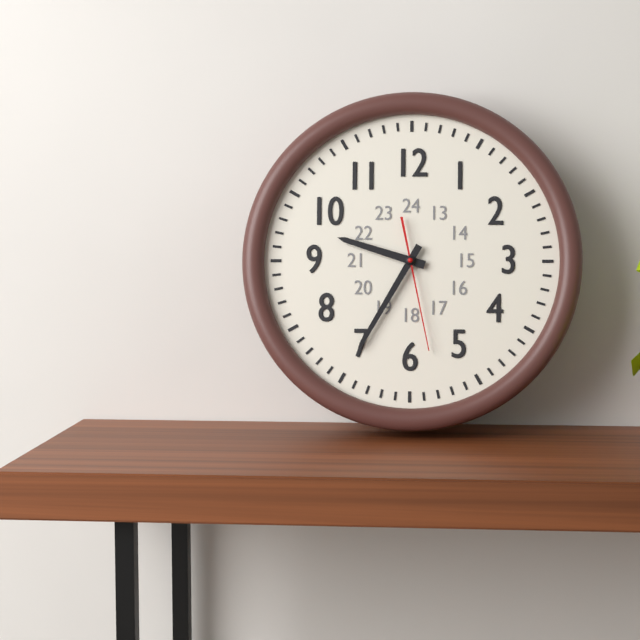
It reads 9:35:28
